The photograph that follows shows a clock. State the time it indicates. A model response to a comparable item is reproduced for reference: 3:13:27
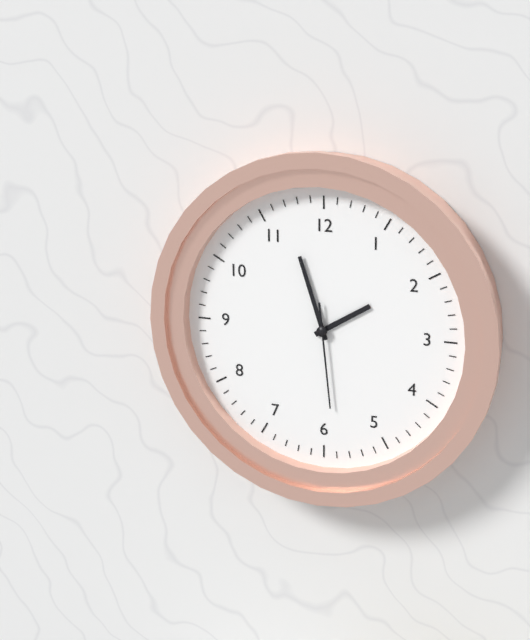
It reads 1:57:29
